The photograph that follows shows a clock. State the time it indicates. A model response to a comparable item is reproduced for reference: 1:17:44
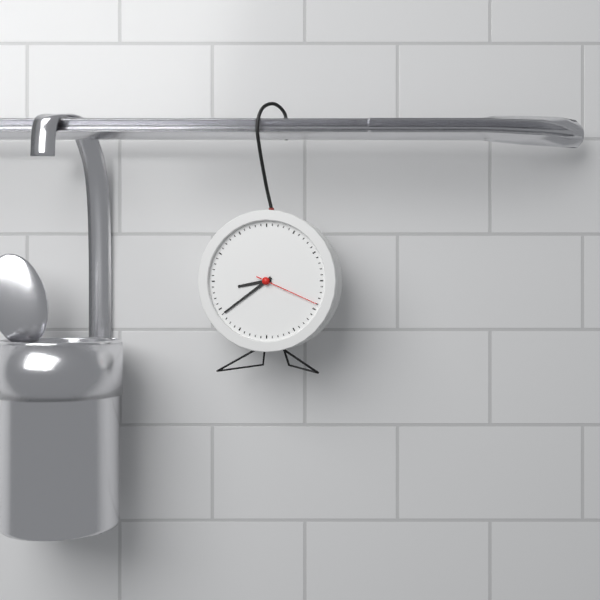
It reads 8:39:19
